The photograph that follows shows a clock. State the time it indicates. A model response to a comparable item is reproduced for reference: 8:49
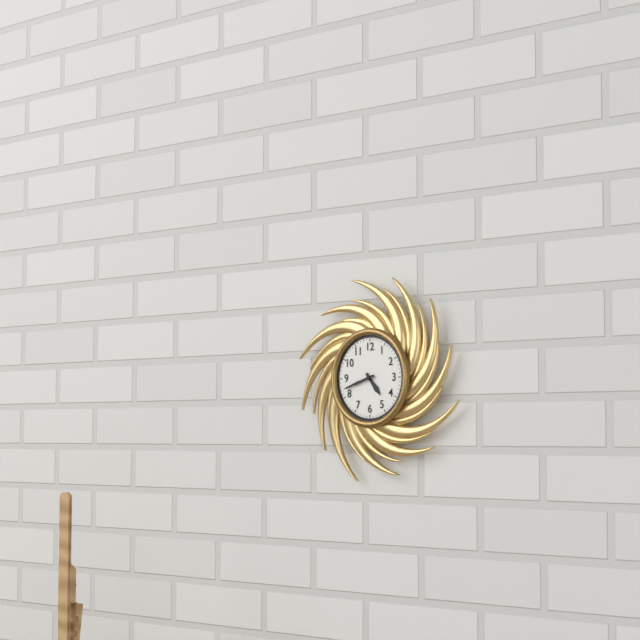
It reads 4:42
